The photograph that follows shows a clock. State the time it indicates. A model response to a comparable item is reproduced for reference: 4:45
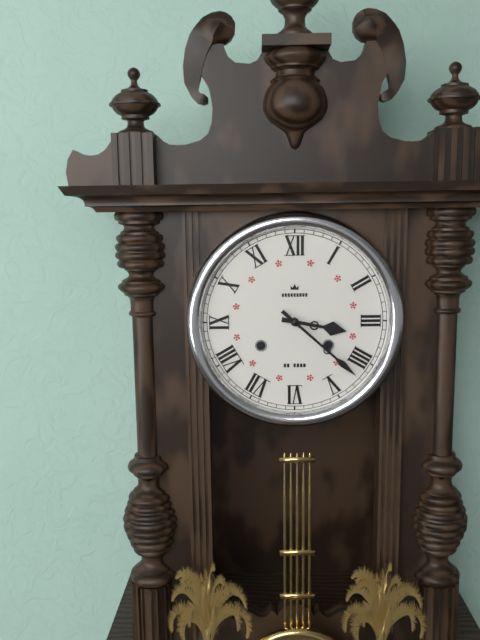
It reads 3:22
